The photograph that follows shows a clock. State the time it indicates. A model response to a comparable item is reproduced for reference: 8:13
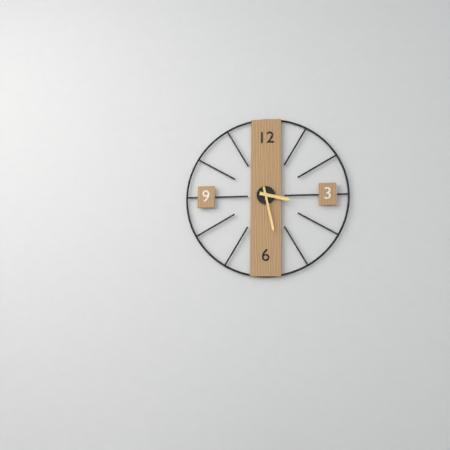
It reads 3:28
